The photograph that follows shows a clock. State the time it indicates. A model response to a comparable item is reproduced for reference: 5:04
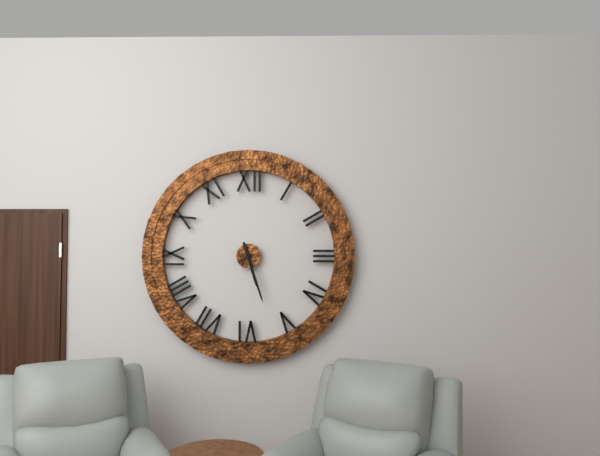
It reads 5:27
